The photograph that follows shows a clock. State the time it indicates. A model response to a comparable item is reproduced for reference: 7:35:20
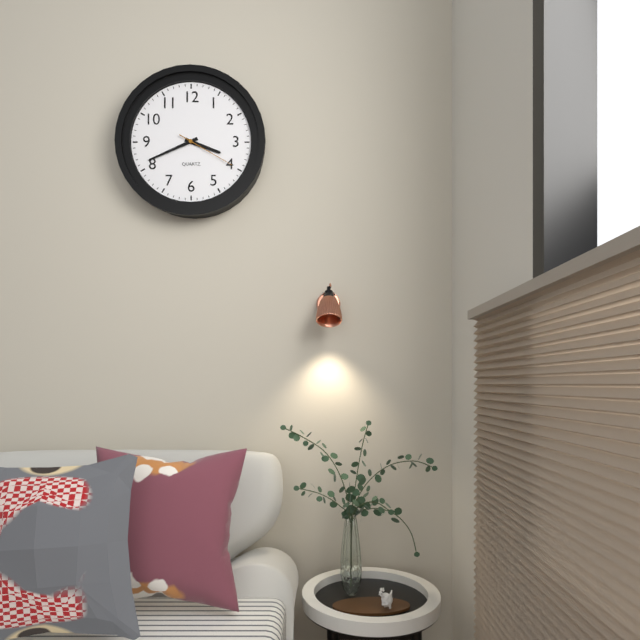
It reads 3:41:20
